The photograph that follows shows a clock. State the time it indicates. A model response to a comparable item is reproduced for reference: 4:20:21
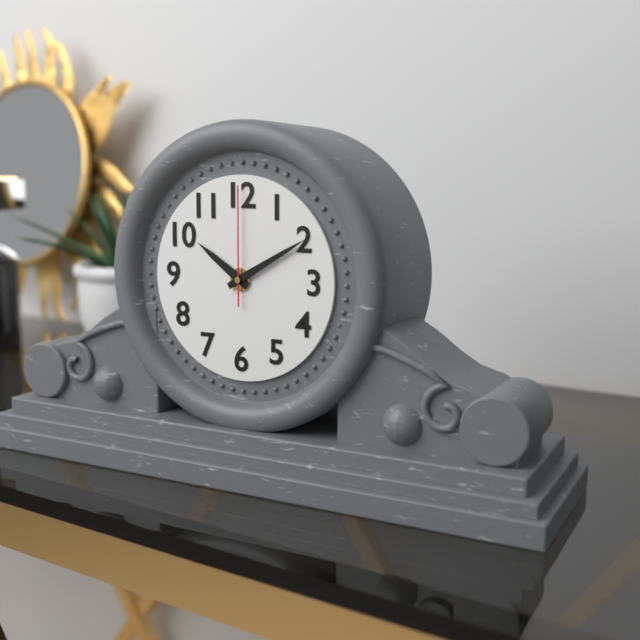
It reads 10:10:00
